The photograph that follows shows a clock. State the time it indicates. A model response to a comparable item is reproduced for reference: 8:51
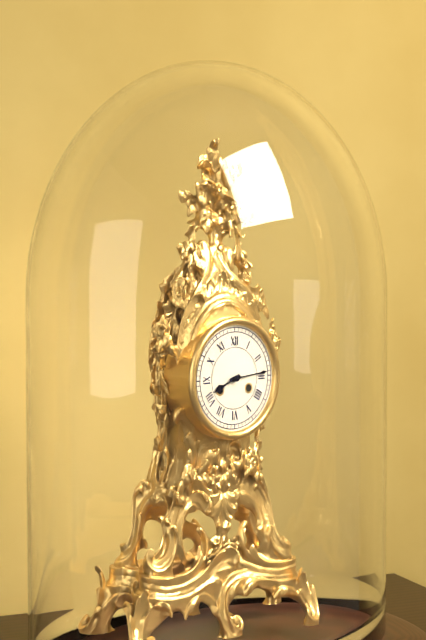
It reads 8:14
